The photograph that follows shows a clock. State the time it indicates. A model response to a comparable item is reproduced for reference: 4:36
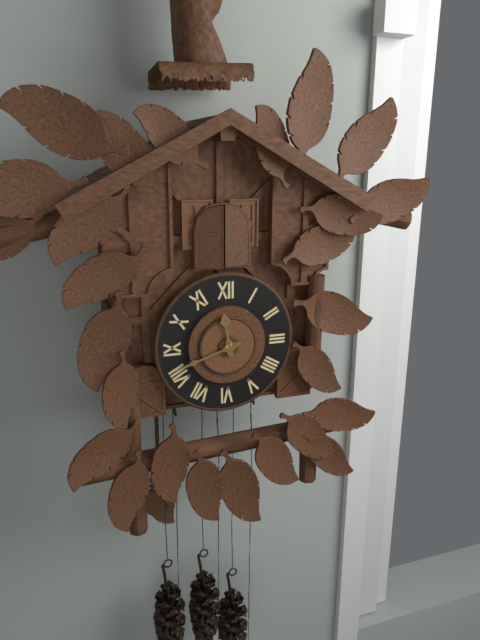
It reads 11:42
